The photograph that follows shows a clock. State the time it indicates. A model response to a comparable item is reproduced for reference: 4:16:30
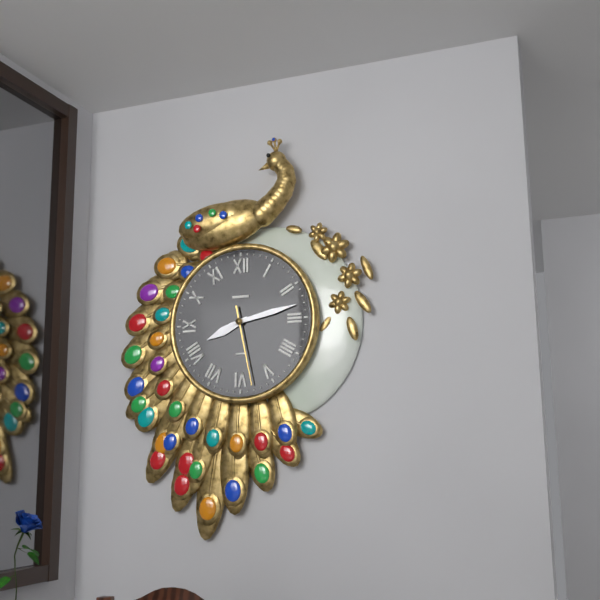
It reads 8:13:28
